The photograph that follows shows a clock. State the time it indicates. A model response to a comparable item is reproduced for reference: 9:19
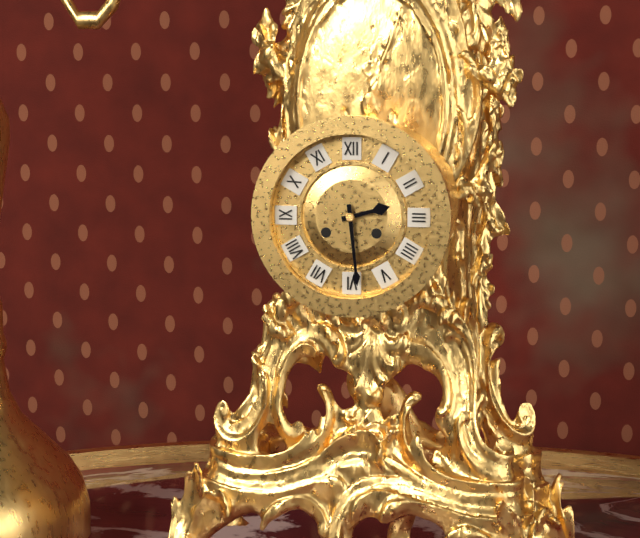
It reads 2:29
